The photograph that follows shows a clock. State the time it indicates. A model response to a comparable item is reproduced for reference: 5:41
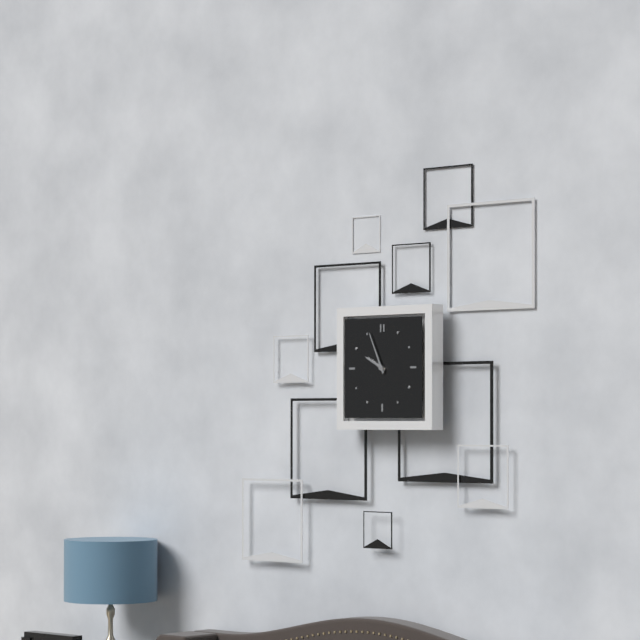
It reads 9:56
